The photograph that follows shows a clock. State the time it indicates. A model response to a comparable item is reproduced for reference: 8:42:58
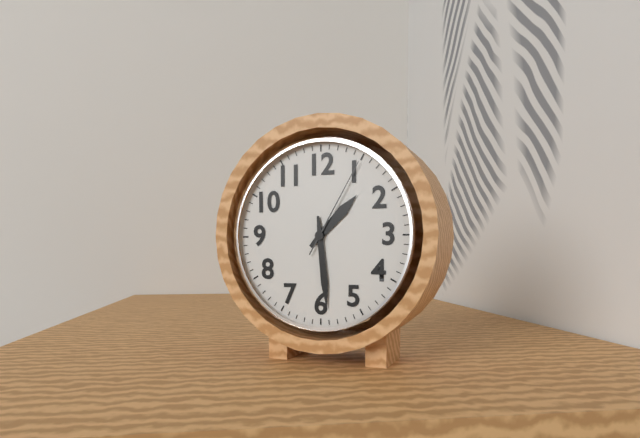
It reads 1:29:05
